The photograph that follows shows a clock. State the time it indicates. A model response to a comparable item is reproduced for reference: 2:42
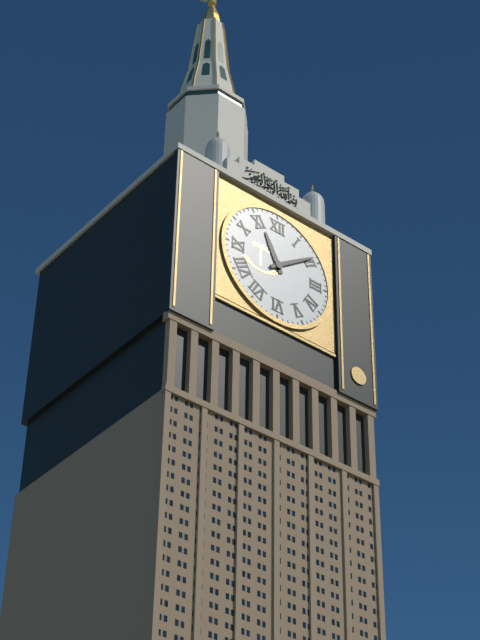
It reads 11:09
